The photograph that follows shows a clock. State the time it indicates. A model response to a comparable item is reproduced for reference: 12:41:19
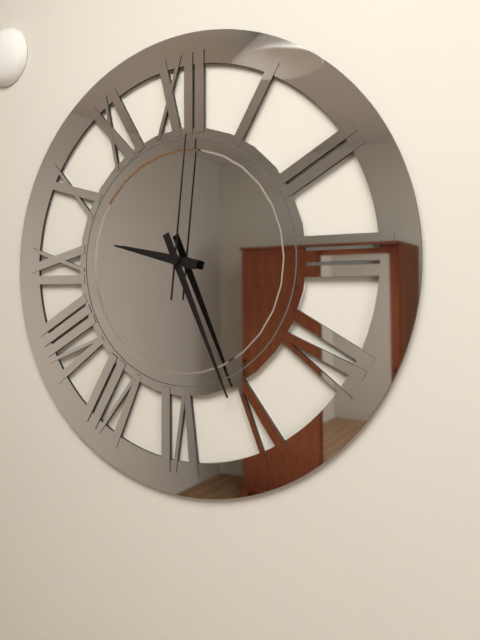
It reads 9:26:01
